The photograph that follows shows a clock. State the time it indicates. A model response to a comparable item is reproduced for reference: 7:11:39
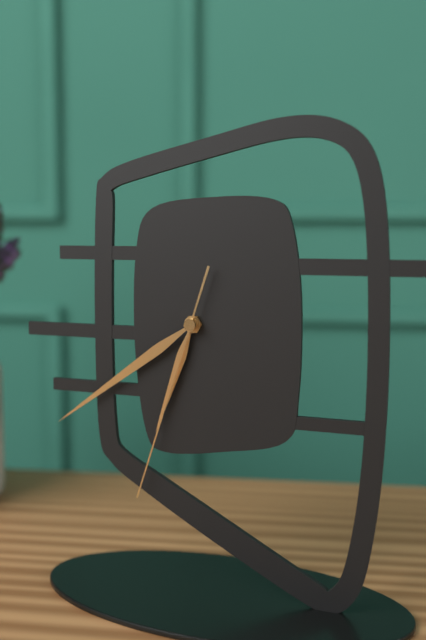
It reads 6:39:33
